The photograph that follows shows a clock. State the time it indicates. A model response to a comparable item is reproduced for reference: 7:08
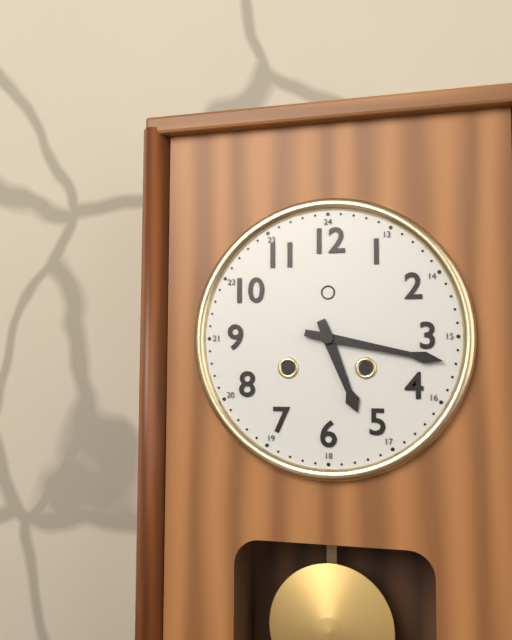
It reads 5:17
